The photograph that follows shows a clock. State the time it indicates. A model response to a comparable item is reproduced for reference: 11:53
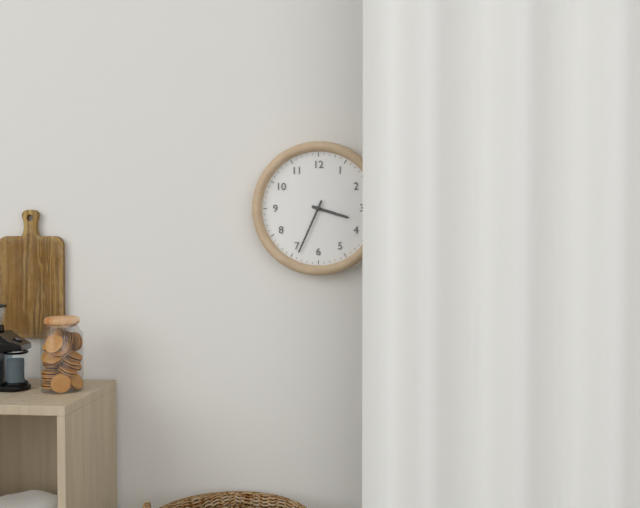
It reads 3:34
